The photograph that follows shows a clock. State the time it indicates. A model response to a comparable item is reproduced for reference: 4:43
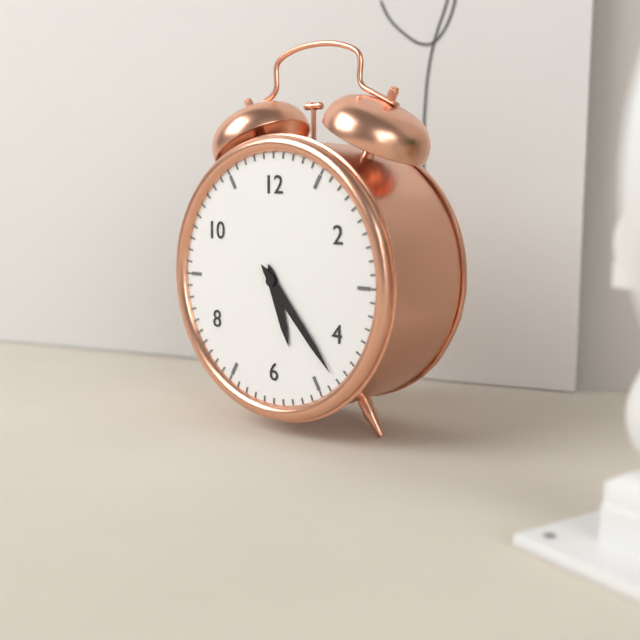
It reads 5:23
